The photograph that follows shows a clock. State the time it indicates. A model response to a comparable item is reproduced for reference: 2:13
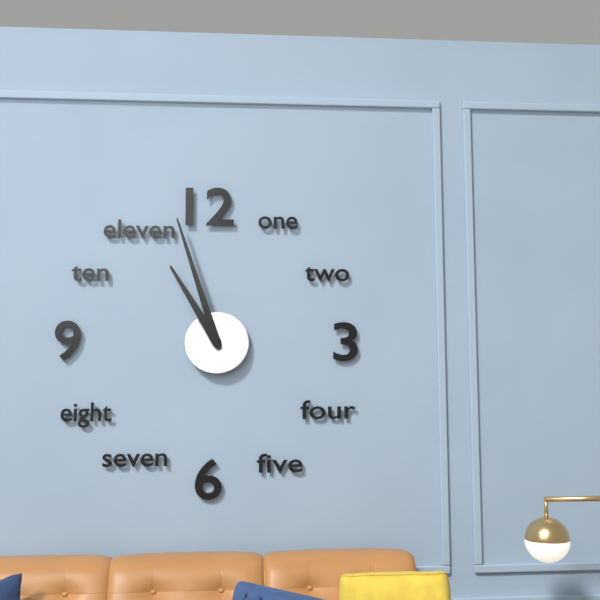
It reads 10:57
